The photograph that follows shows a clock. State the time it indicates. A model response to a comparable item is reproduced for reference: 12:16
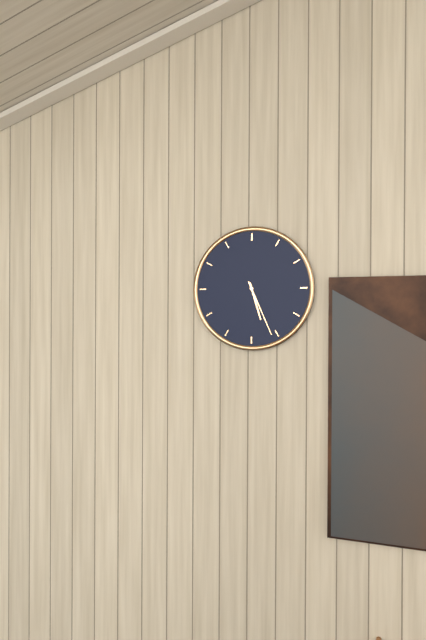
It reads 5:26
